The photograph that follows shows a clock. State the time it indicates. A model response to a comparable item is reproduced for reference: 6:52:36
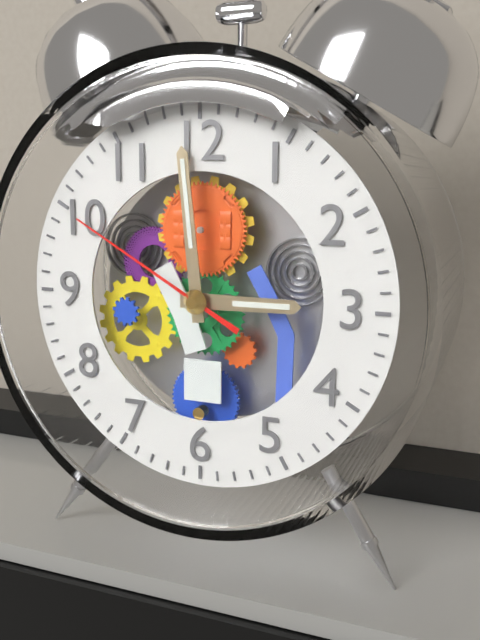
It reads 2:59:50
